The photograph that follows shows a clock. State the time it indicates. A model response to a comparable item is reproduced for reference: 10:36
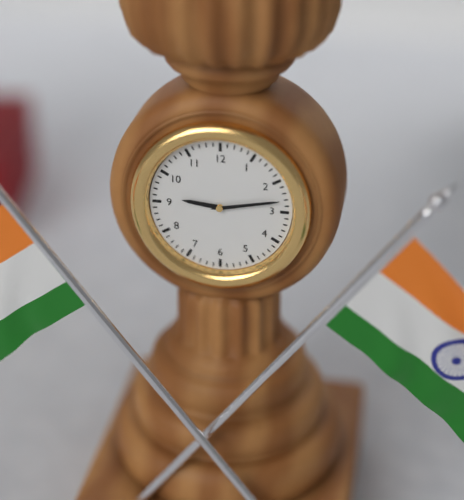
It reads 9:13
